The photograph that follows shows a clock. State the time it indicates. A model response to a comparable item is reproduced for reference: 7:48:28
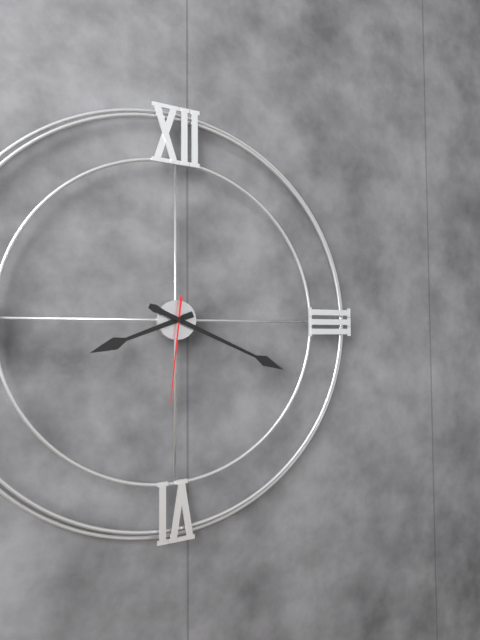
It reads 8:19:31
